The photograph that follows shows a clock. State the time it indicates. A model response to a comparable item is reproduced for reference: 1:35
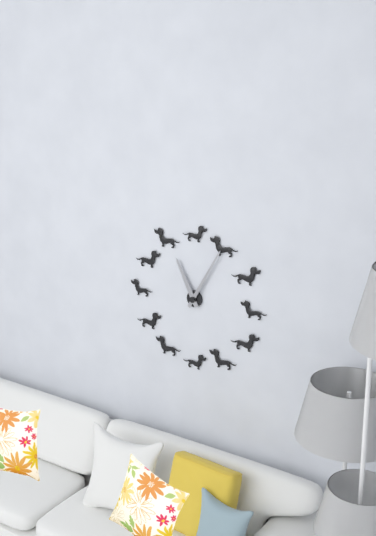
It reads 11:05
